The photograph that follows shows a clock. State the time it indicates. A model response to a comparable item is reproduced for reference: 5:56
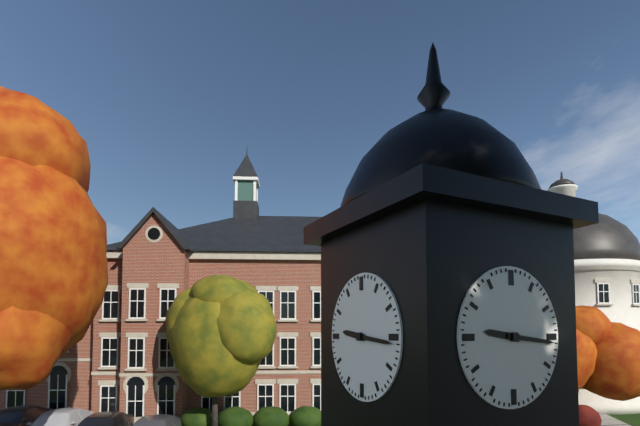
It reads 9:16
